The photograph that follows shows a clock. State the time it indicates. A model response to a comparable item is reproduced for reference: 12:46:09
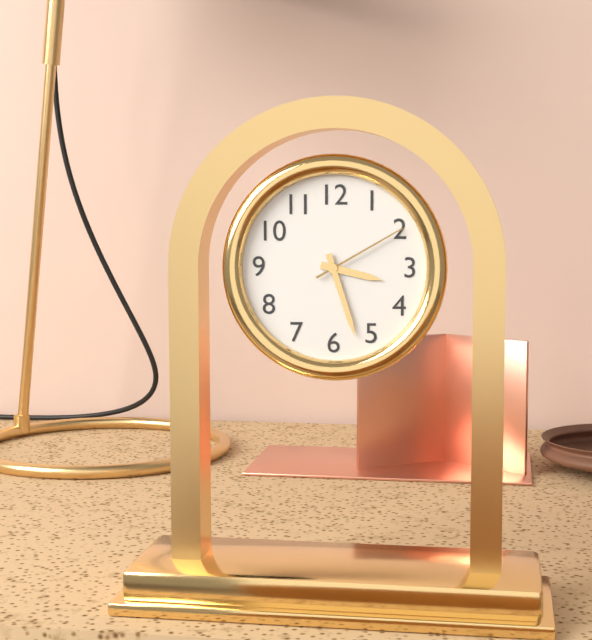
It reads 3:27:10
